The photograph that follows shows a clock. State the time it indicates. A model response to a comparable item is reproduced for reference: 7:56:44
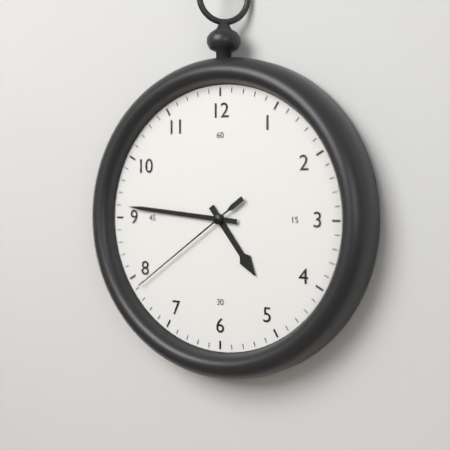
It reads 4:46:39
